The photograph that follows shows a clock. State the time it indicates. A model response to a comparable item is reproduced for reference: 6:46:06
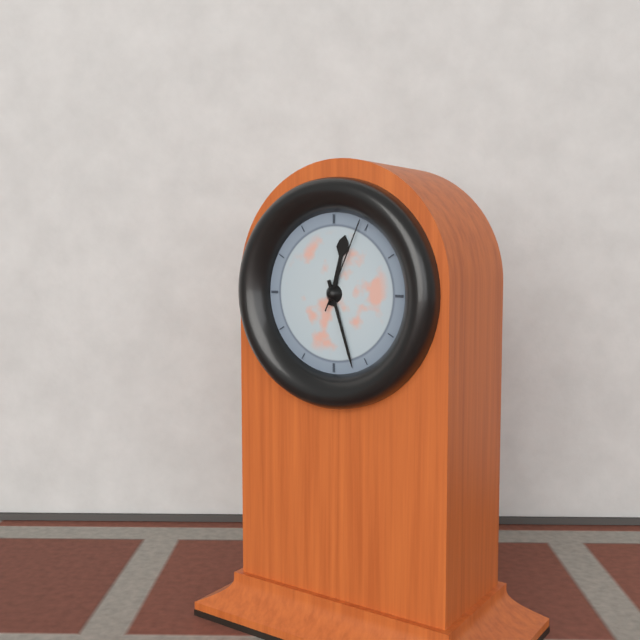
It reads 12:27:04
